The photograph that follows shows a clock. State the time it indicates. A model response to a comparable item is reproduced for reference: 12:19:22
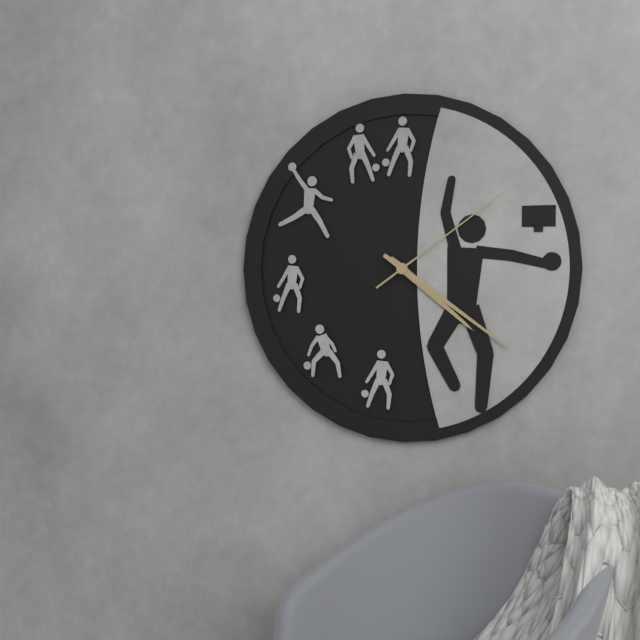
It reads 4:21:09
